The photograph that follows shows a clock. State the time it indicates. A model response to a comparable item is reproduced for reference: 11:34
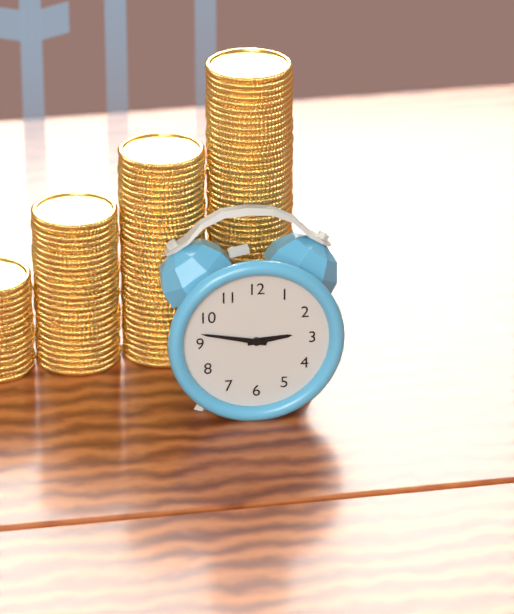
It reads 2:47
